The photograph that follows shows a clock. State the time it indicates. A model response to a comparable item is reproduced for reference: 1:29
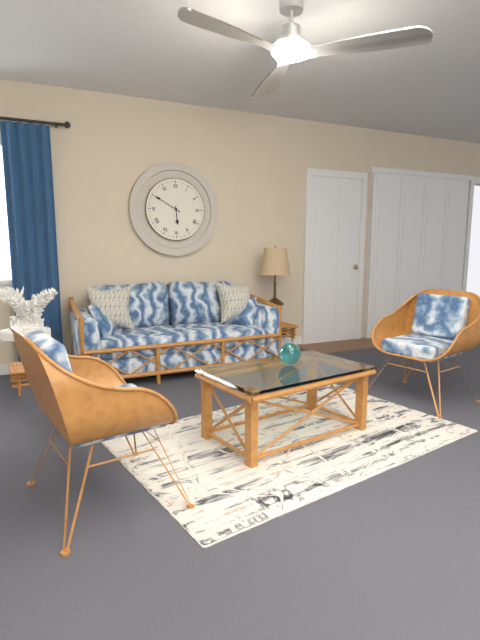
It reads 5:50
